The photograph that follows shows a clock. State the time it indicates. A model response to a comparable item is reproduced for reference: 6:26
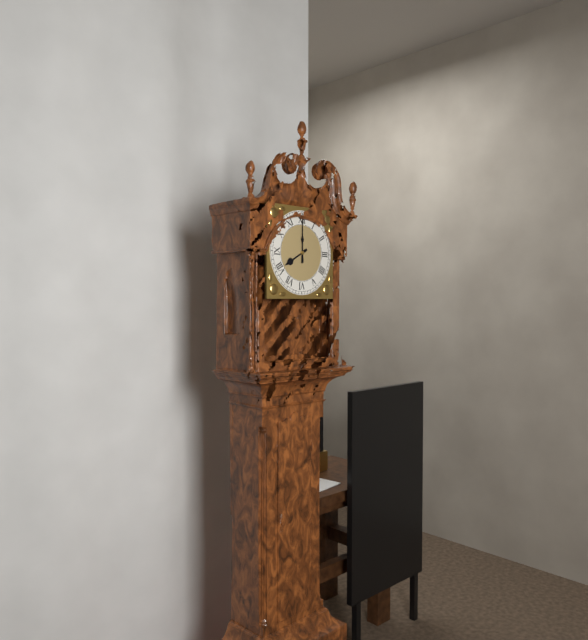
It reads 8:00
